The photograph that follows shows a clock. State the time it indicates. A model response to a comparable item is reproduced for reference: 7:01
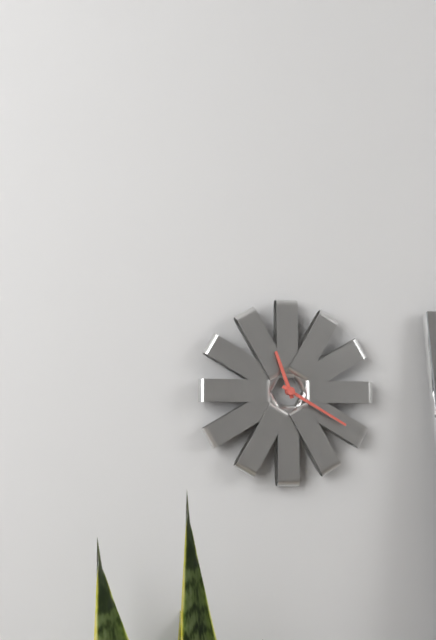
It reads 11:20
